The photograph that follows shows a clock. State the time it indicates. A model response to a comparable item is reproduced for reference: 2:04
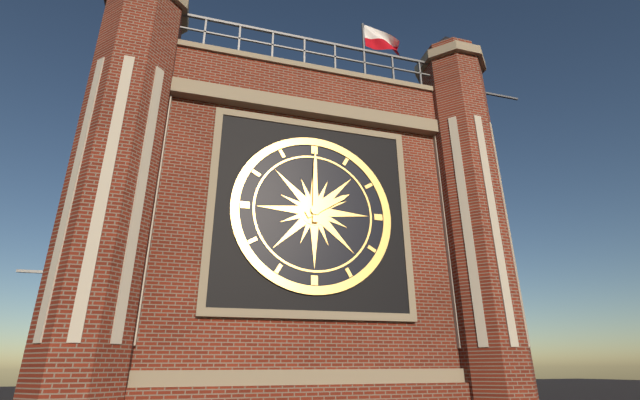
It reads 2:00
